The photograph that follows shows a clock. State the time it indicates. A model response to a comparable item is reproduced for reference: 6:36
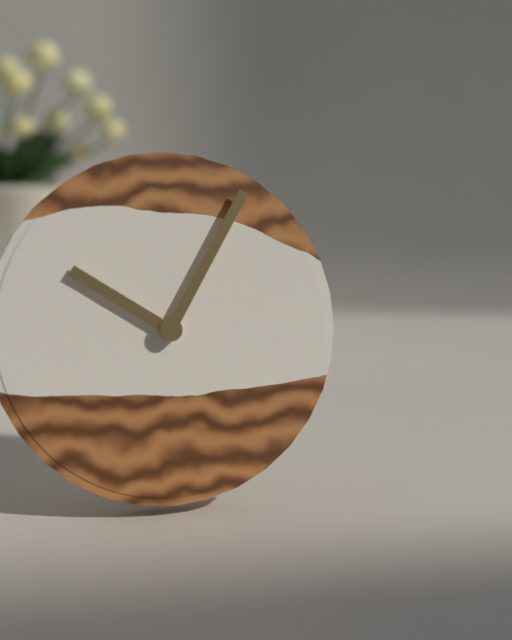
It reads 10:05
